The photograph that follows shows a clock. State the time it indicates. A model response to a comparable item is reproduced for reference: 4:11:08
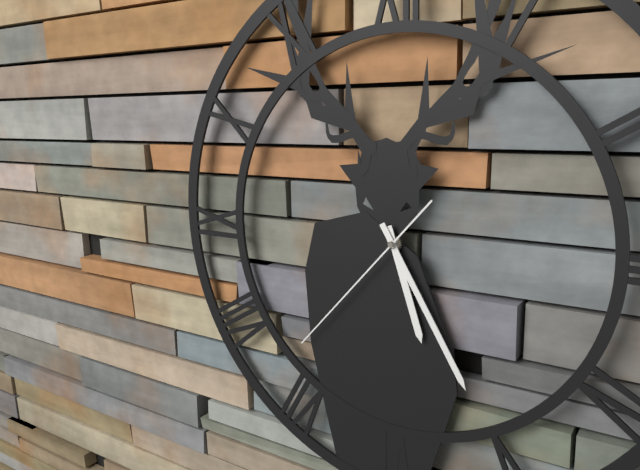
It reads 5:25:37
